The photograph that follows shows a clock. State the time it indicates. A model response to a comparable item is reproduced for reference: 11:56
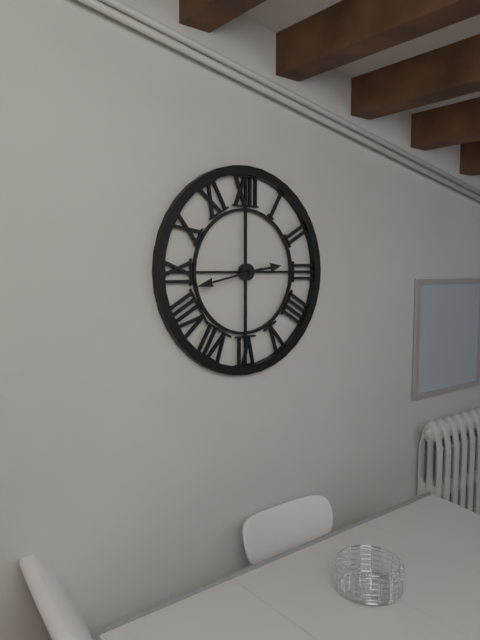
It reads 2:43
